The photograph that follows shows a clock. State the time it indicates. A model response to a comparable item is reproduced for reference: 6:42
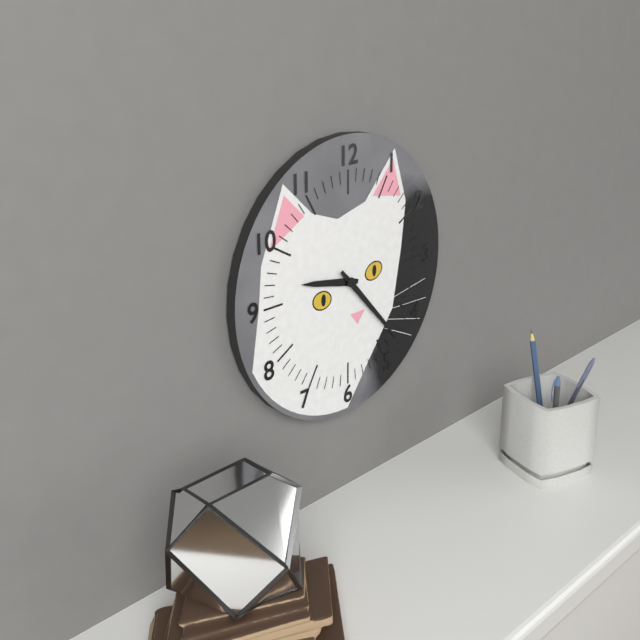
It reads 9:23
